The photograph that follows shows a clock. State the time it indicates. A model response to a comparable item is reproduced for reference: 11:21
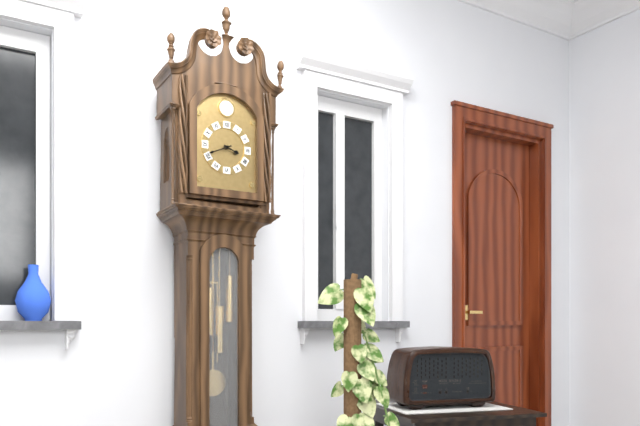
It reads 3:41
